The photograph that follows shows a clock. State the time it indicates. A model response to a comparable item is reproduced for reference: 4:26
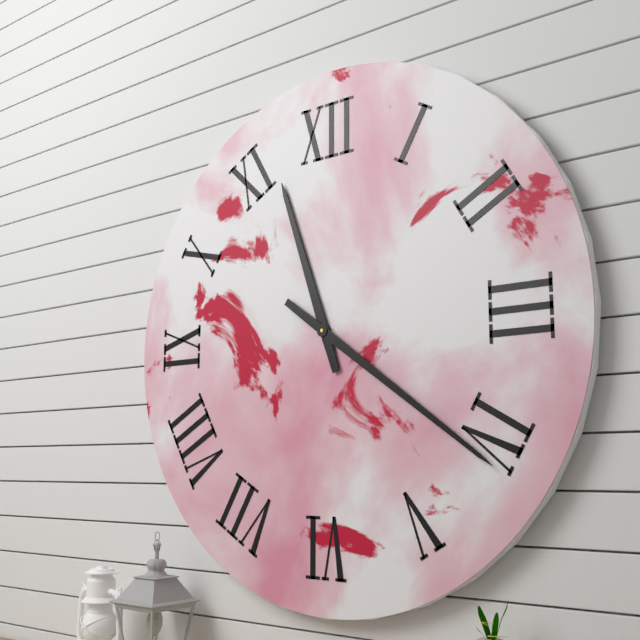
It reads 11:21
